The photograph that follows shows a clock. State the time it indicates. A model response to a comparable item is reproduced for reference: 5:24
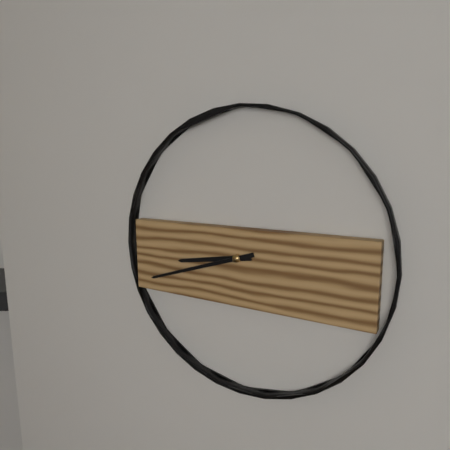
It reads 8:42
